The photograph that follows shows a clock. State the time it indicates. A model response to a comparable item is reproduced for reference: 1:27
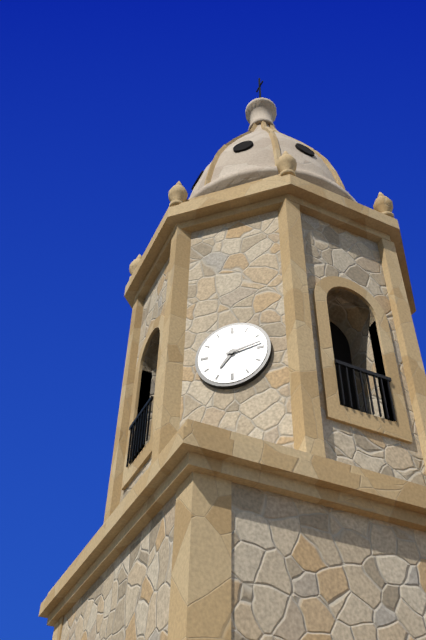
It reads 7:13
